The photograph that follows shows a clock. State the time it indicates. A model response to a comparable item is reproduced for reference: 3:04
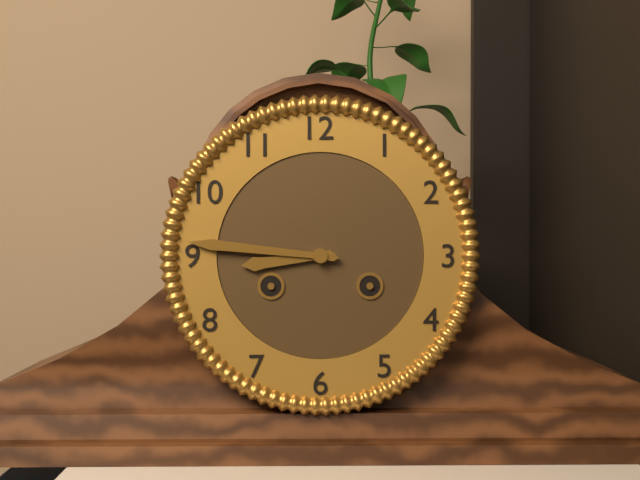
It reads 8:46
